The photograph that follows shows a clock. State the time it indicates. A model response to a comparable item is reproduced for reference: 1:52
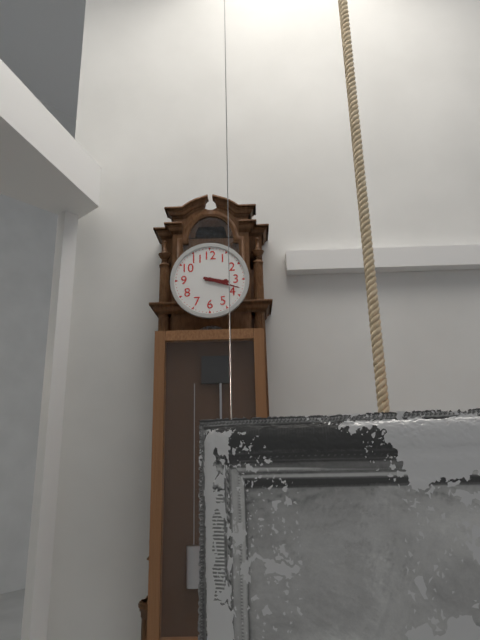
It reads 3:18
